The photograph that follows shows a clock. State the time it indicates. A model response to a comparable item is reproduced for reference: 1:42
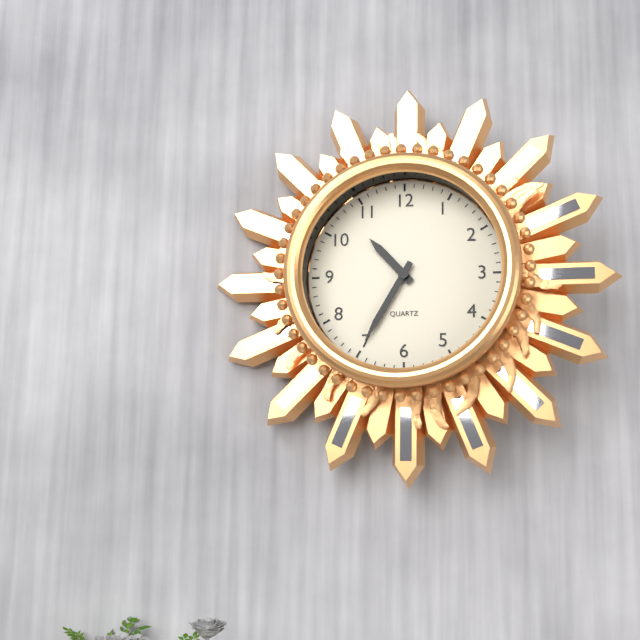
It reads 10:35
